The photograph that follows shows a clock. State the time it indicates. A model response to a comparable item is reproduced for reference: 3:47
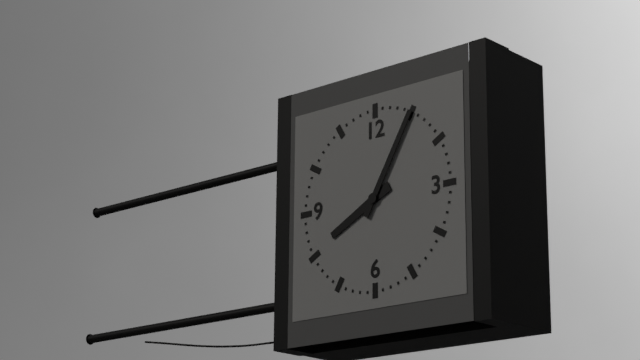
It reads 8:05
